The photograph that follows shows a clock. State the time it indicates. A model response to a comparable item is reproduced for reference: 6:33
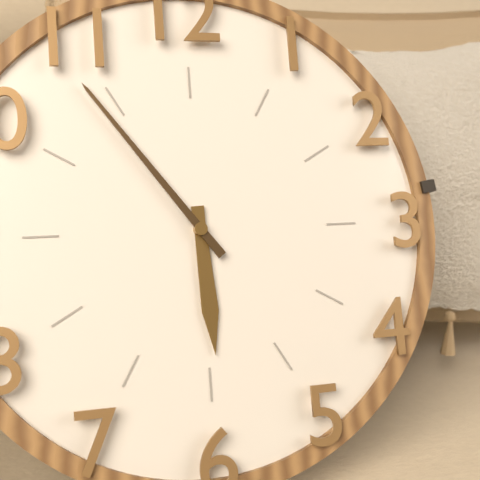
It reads 5:54
